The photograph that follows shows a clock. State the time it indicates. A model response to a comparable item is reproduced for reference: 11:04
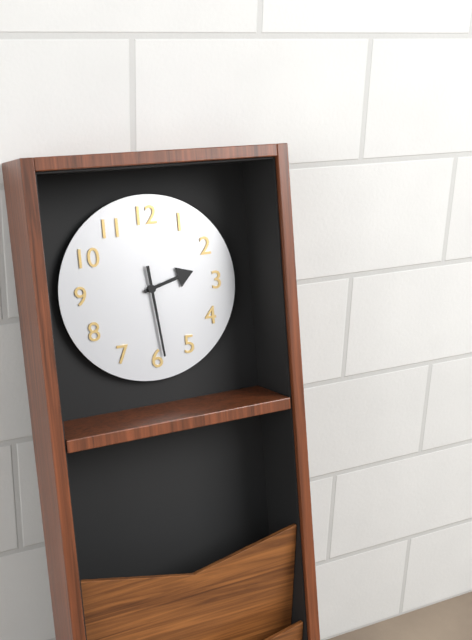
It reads 2:29
